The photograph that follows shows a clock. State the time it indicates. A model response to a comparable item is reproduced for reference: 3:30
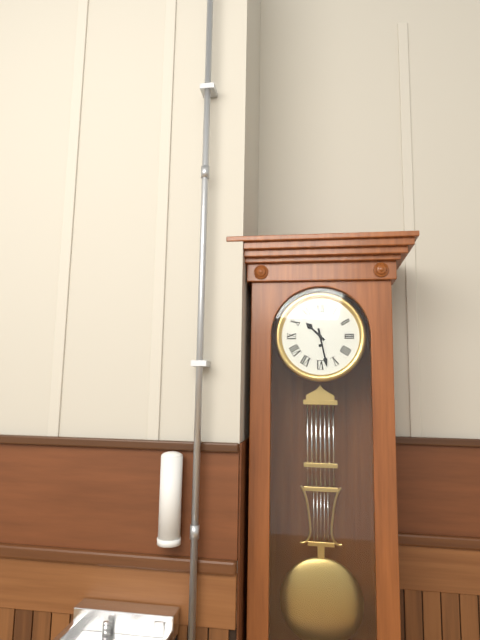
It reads 10:28
